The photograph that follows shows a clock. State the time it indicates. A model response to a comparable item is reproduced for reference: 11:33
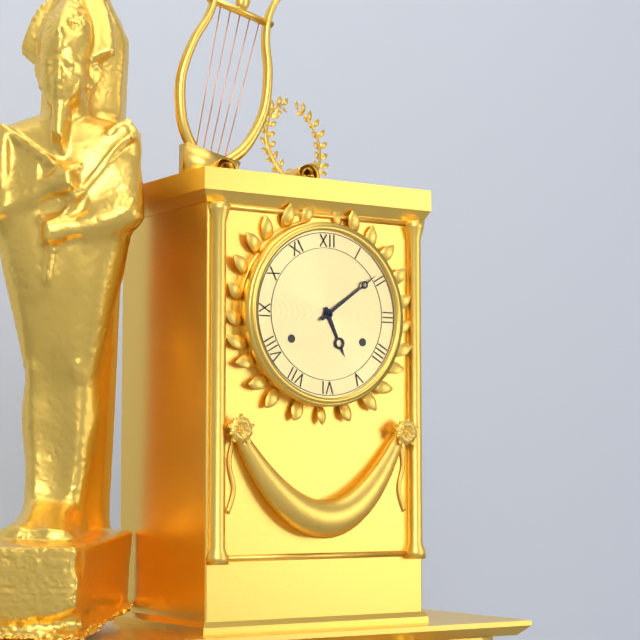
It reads 5:09
